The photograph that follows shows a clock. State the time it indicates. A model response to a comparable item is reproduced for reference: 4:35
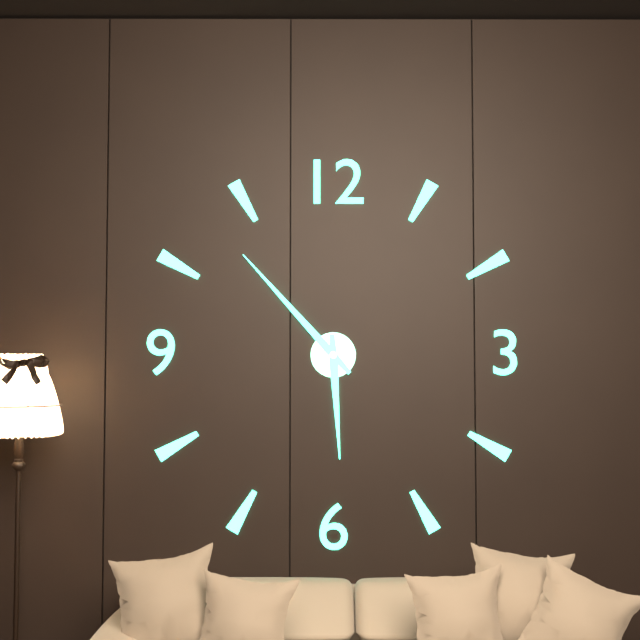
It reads 5:53
